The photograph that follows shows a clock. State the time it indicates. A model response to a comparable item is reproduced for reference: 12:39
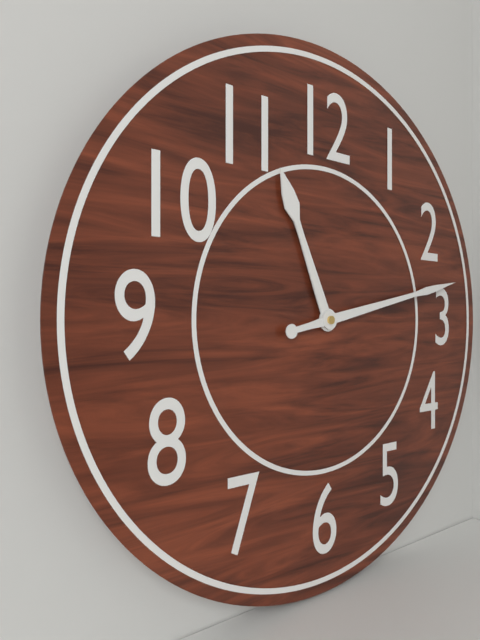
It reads 11:13
